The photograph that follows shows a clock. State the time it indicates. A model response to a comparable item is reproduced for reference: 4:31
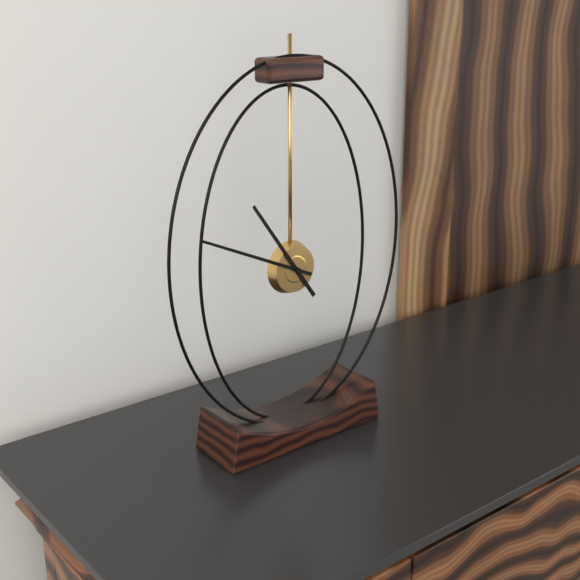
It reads 10:49
